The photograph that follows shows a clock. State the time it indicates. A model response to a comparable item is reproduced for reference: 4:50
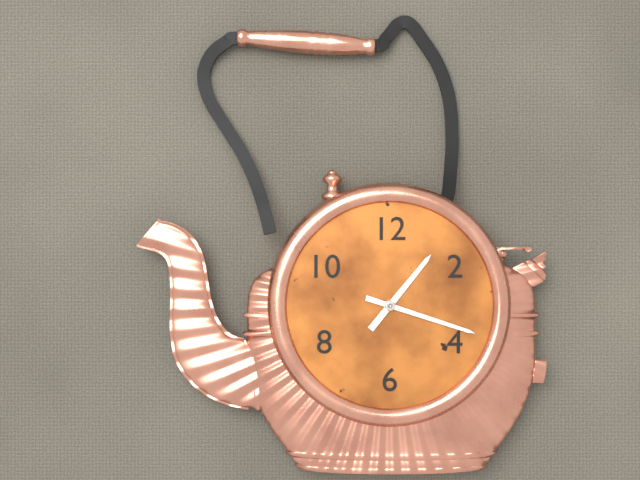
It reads 1:18
